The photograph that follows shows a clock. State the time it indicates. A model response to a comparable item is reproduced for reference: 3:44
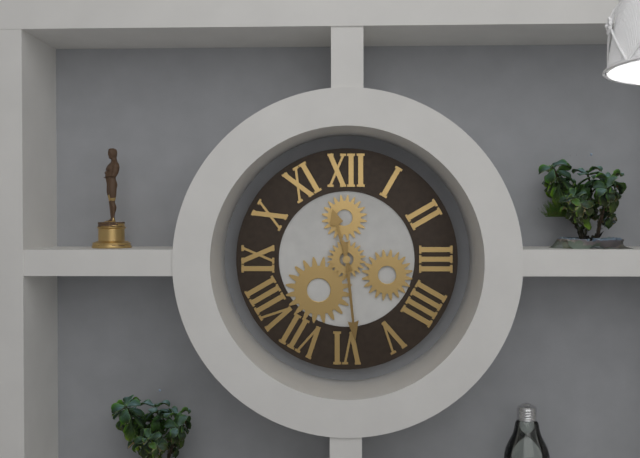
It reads 11:29
